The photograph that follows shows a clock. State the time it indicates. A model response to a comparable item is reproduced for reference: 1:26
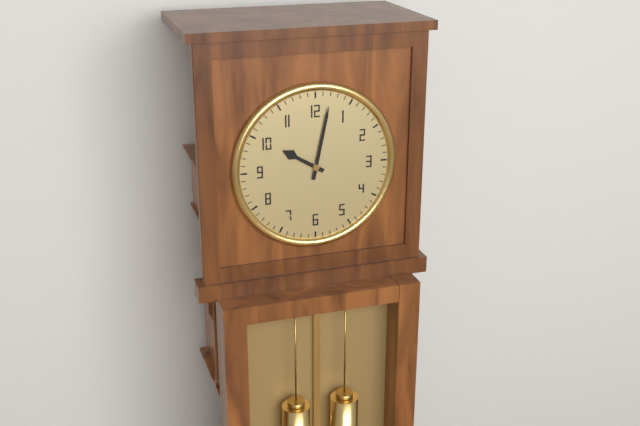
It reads 10:02
